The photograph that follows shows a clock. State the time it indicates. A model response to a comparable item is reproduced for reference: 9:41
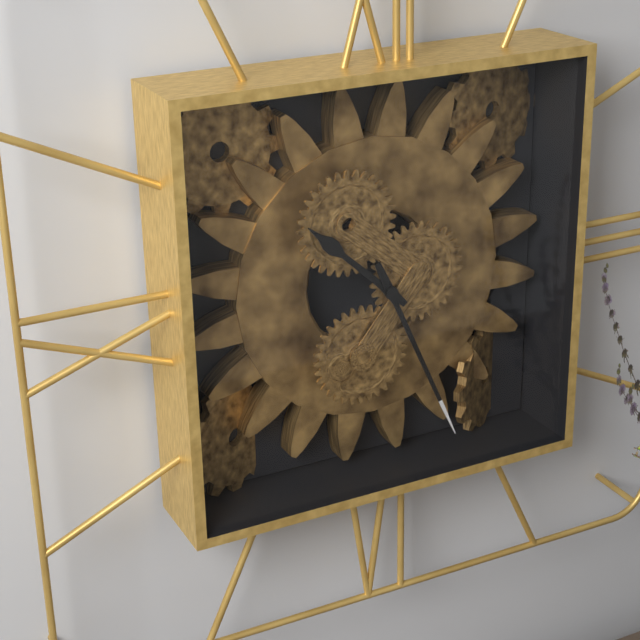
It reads 10:26
